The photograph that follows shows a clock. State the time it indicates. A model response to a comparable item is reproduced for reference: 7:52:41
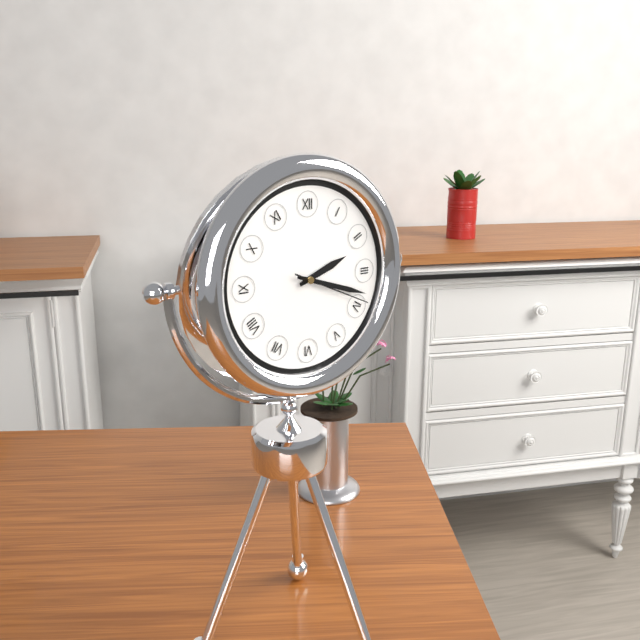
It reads 2:18:19
